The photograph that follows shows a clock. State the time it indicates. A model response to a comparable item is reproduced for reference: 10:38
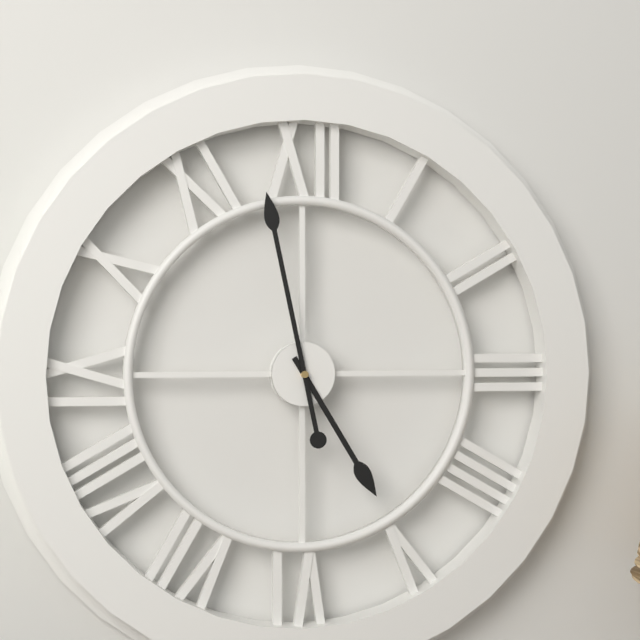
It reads 4:58
